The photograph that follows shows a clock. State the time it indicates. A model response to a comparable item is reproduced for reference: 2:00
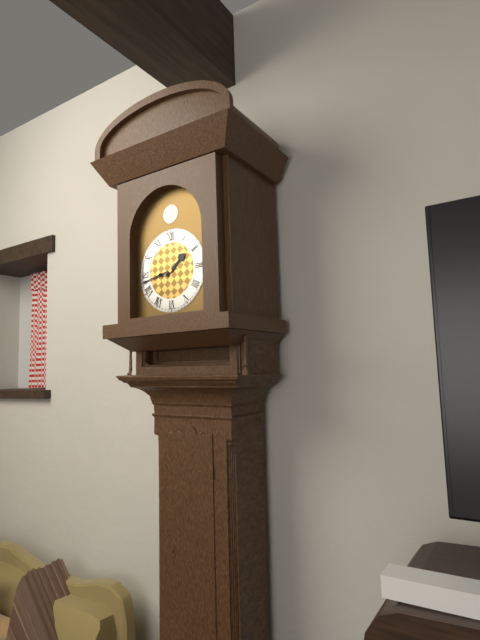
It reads 1:43
